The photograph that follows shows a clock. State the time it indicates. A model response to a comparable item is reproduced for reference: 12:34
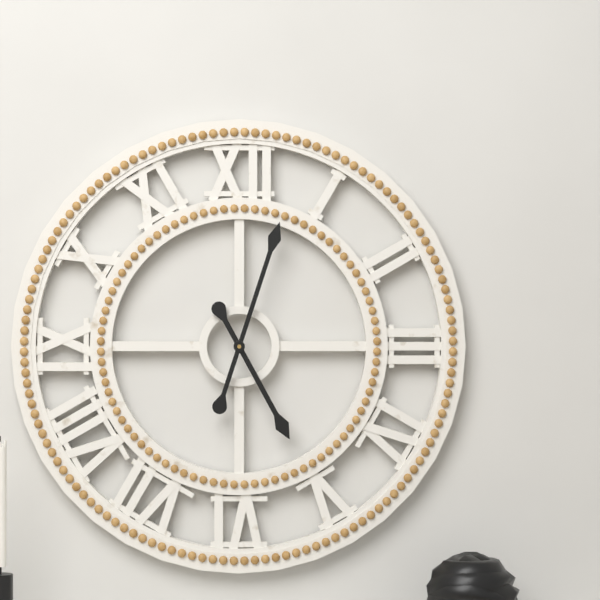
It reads 5:03
